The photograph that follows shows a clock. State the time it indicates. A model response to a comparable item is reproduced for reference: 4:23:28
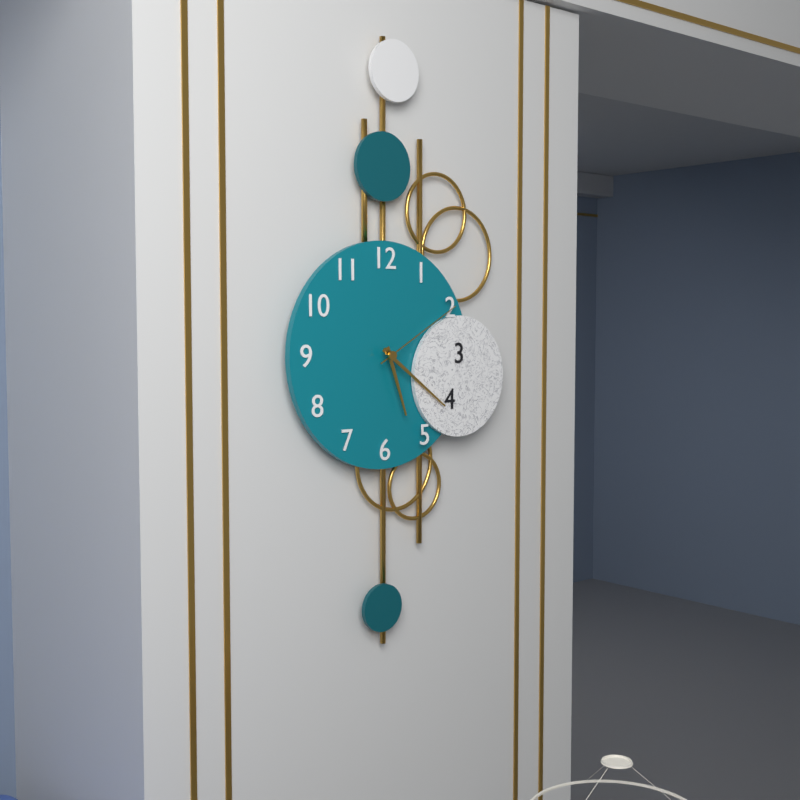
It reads 5:21:10
